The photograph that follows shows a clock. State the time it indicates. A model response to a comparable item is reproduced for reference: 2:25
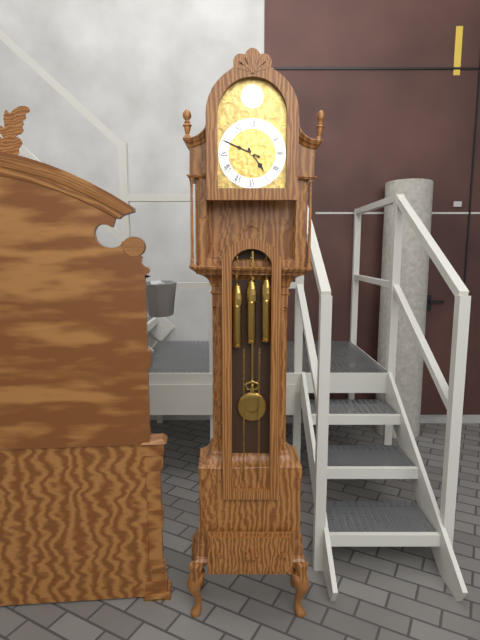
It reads 4:49
